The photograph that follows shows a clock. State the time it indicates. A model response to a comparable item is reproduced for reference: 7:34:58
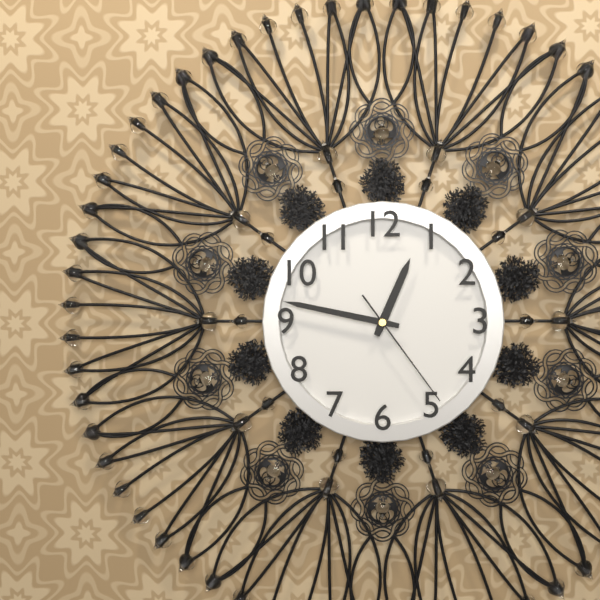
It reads 12:47:24
